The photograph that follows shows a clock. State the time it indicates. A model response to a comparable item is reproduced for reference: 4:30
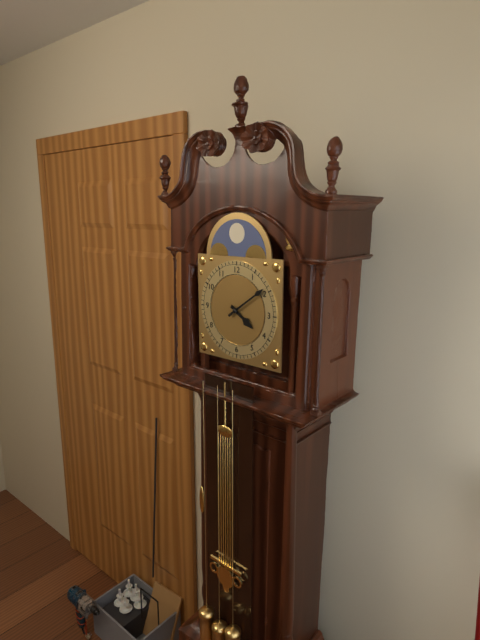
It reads 4:09
